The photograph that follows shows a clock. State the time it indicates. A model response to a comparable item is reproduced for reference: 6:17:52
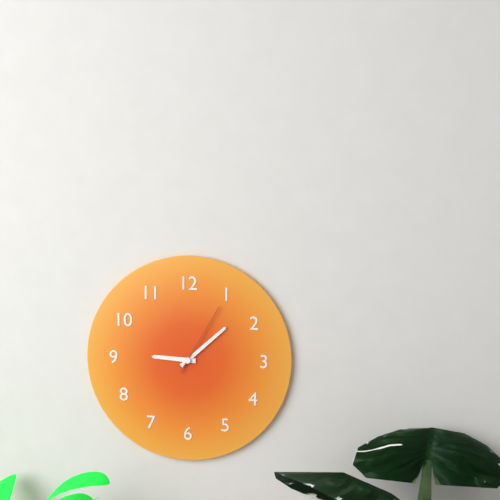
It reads 9:08:05
